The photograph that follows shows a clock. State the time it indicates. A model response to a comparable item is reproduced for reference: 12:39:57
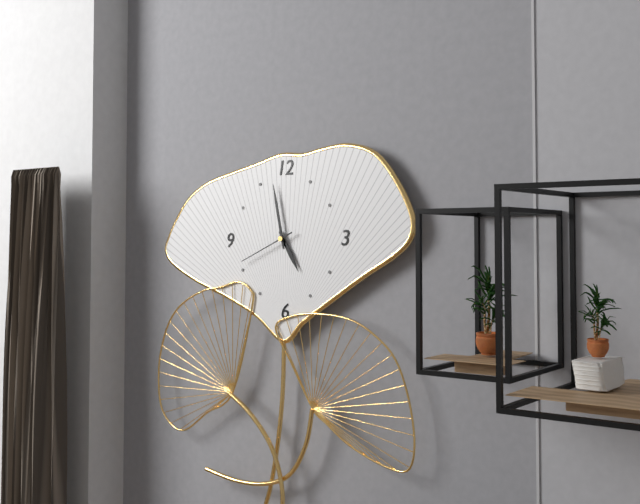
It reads 4:58:41
